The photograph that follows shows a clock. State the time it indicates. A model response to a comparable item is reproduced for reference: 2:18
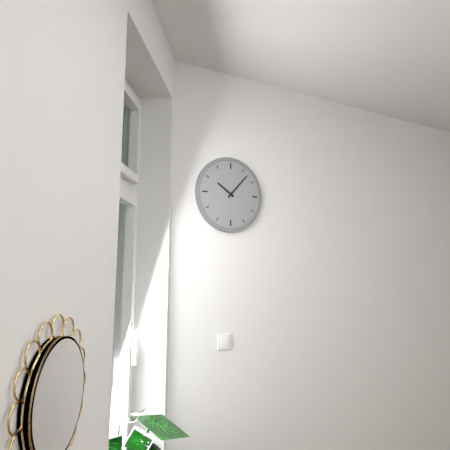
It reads 10:07
